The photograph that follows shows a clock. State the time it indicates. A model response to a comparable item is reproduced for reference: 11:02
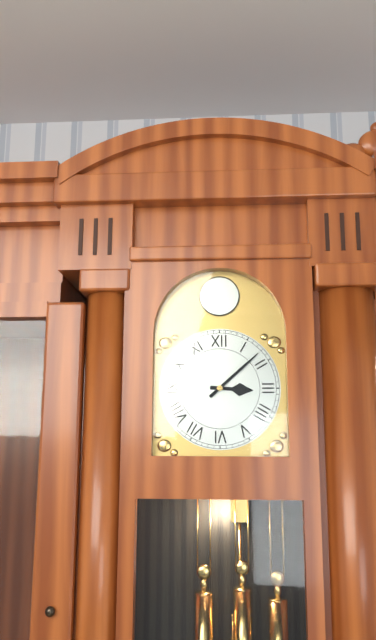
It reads 3:08
